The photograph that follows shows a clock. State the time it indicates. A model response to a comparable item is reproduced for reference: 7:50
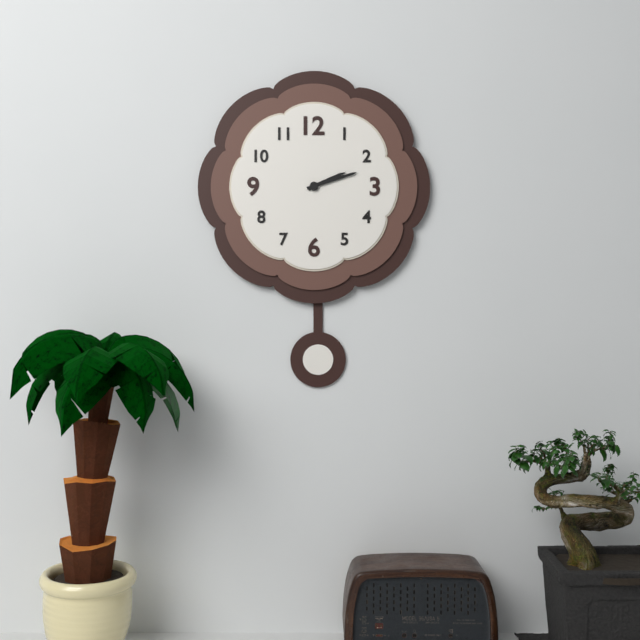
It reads 2:12
